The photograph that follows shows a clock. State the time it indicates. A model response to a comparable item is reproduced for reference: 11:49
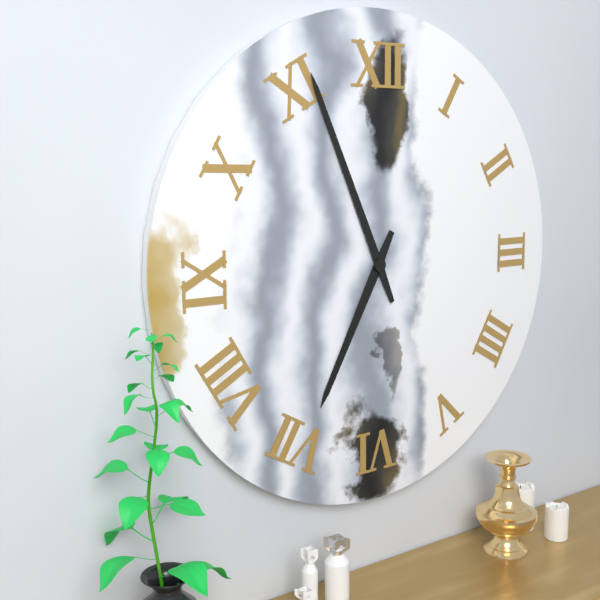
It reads 6:56
